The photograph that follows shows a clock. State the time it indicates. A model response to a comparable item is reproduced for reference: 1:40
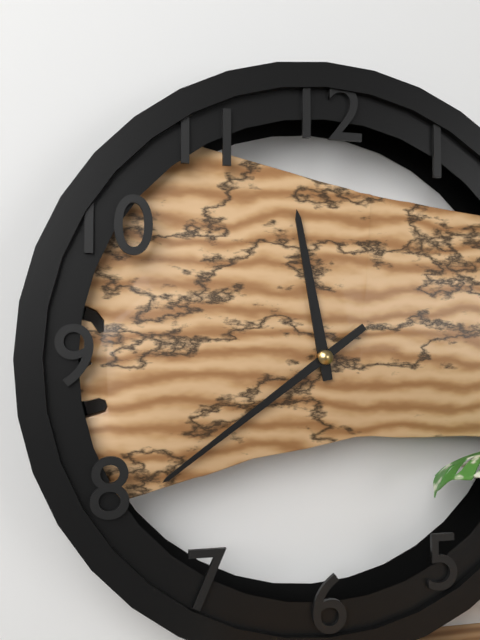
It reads 11:39
